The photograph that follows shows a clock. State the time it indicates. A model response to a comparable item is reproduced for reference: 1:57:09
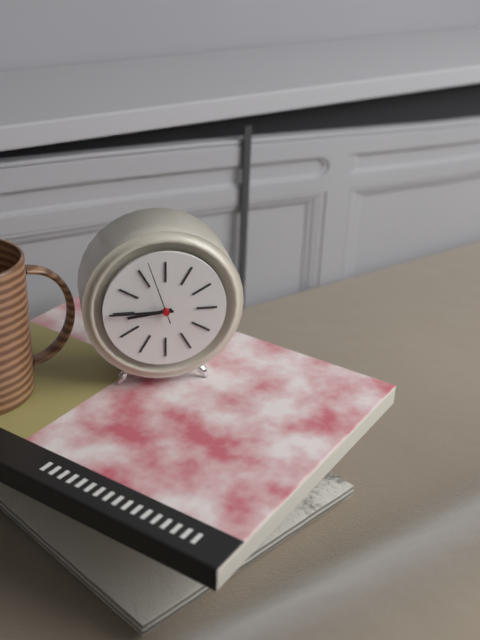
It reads 8:45:57
